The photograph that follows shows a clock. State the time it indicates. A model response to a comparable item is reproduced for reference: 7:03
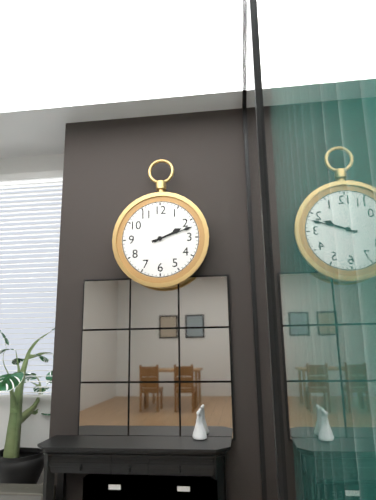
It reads 2:12
